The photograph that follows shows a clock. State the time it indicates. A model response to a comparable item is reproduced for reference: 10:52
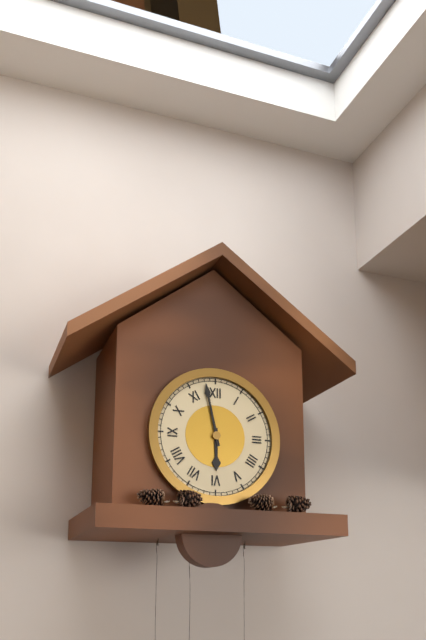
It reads 5:58
